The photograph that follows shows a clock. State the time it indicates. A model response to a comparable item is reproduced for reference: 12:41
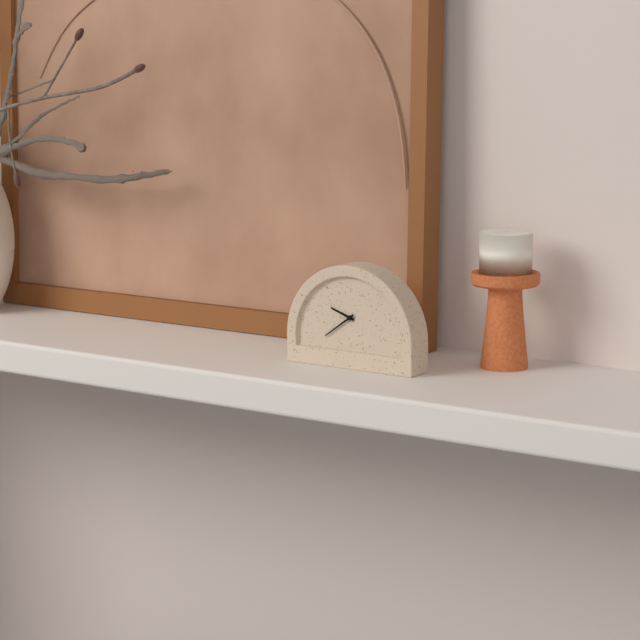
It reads 9:39
